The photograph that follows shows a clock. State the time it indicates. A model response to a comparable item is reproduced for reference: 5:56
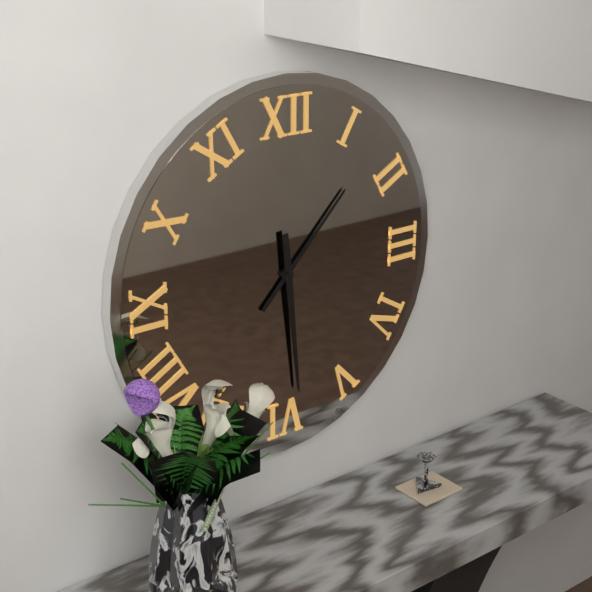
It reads 1:29
